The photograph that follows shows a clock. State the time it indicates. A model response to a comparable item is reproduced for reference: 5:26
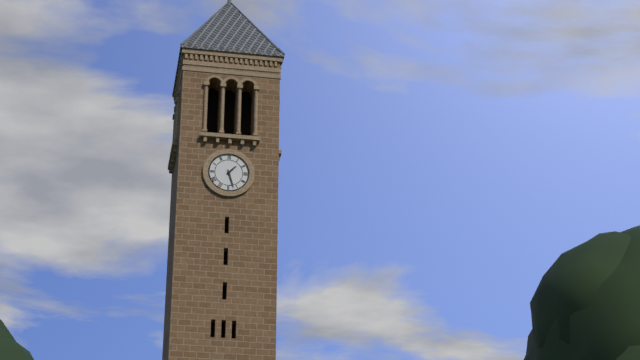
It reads 1:27
